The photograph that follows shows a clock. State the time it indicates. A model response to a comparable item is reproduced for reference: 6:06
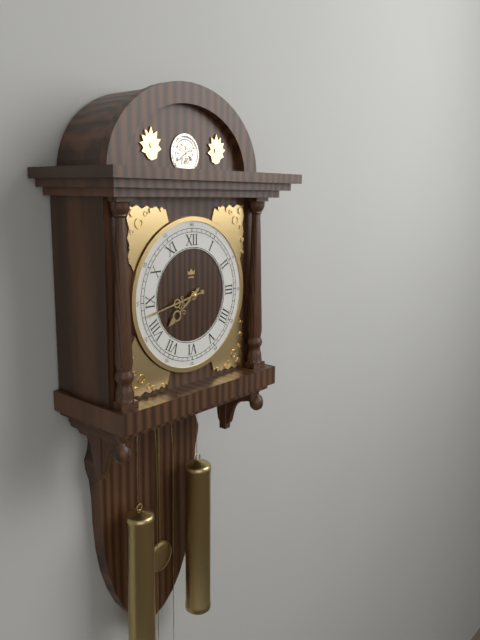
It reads 7:43
